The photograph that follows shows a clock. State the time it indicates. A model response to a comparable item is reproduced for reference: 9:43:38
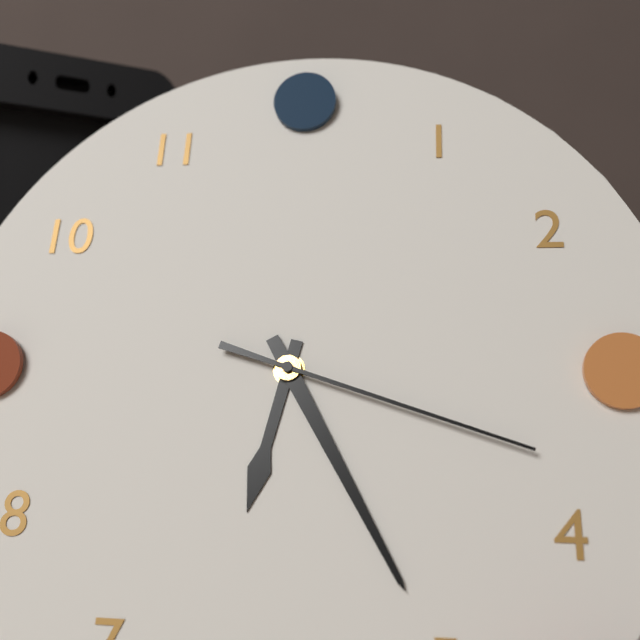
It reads 6:25:18
